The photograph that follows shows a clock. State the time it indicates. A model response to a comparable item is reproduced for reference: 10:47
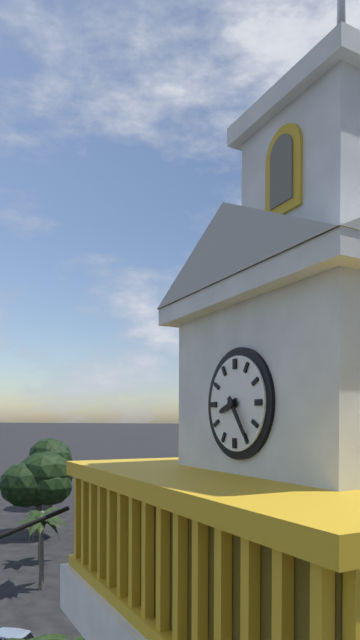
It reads 8:24
